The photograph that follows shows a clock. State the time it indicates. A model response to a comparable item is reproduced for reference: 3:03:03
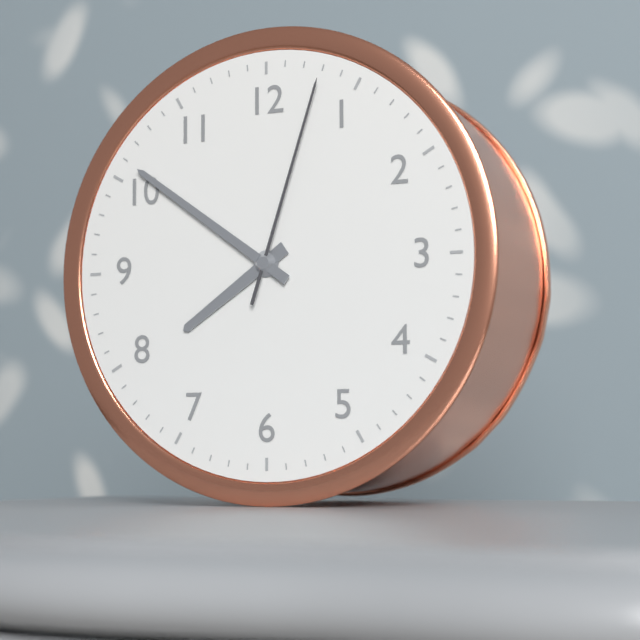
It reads 7:51:03
